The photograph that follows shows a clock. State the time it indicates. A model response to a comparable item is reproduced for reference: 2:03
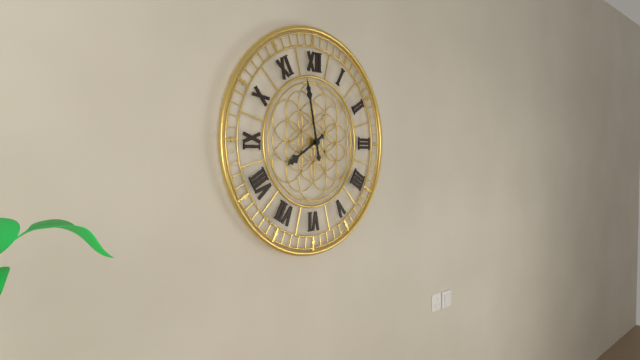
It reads 7:58
